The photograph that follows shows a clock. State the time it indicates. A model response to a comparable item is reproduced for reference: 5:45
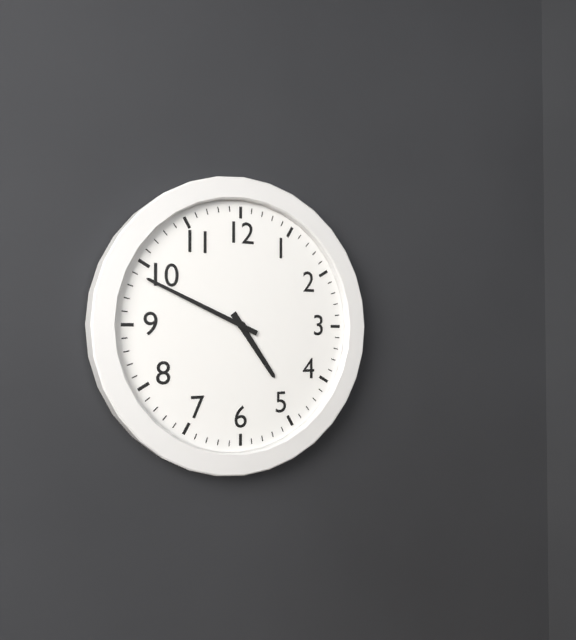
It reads 4:49
